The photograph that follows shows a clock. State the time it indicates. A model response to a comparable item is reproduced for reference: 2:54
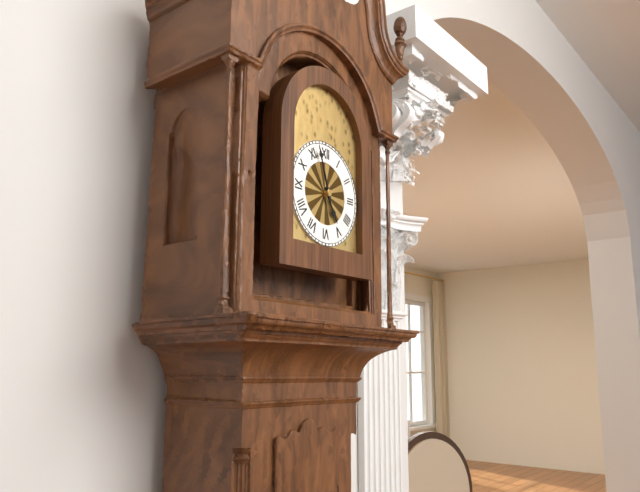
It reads 4:57
